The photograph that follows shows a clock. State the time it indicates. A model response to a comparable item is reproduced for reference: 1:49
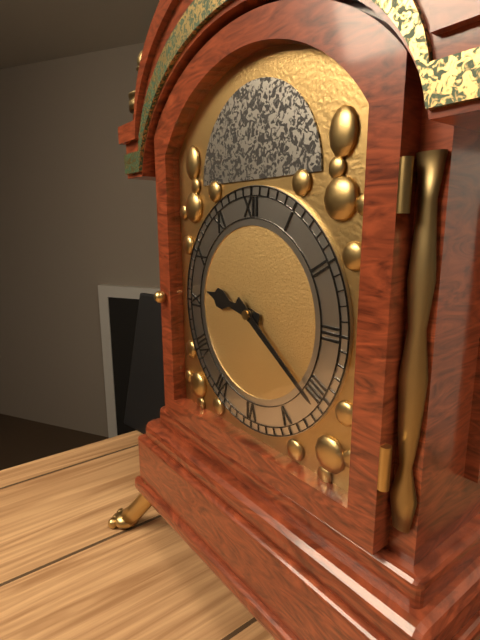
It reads 9:21
